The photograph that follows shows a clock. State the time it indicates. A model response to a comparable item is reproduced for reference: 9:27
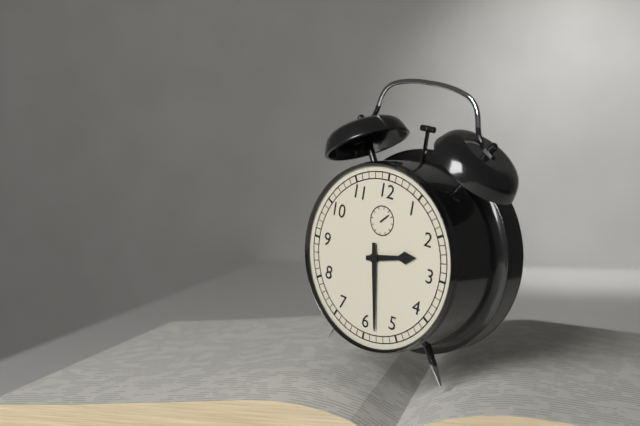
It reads 2:28
